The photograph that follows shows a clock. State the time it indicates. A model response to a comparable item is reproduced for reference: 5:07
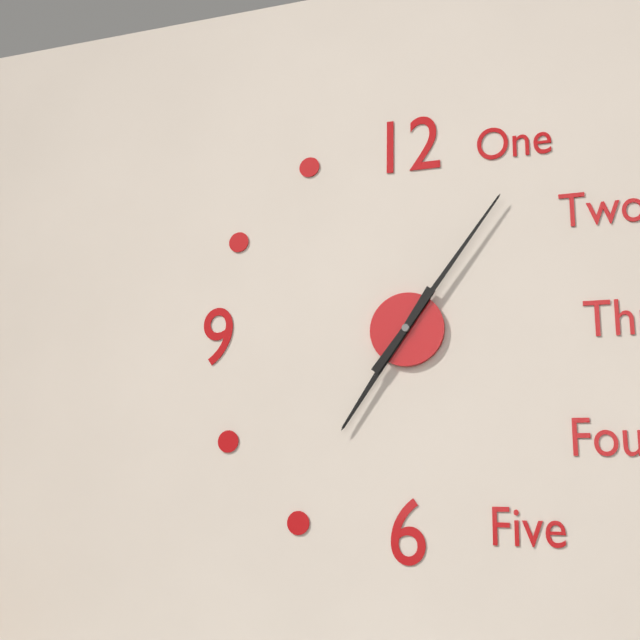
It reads 7:06
